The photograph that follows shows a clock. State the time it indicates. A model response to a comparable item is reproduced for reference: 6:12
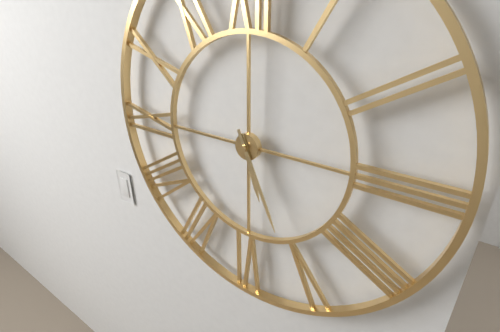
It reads 5:26
